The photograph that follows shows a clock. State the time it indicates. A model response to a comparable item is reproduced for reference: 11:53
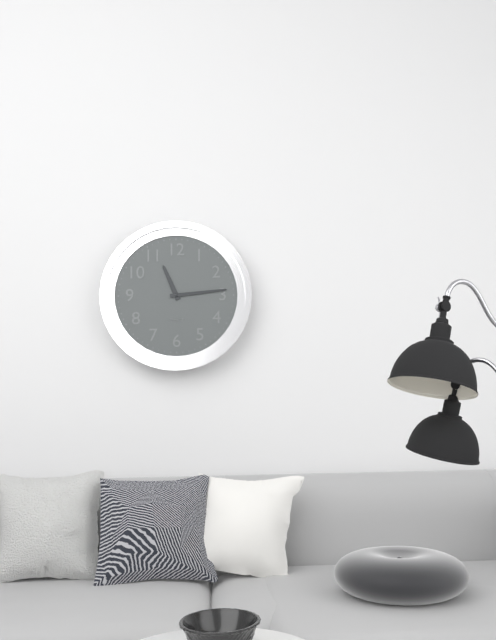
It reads 11:14
